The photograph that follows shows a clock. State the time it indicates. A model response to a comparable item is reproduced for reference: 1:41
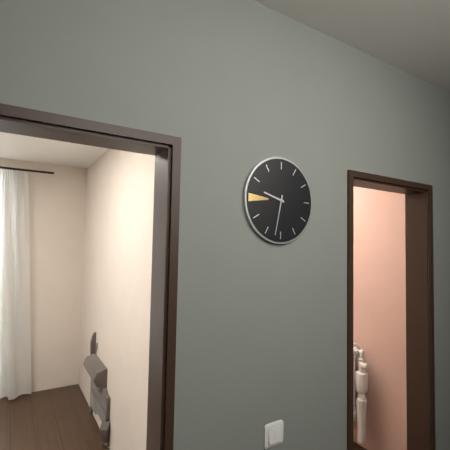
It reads 9:32
